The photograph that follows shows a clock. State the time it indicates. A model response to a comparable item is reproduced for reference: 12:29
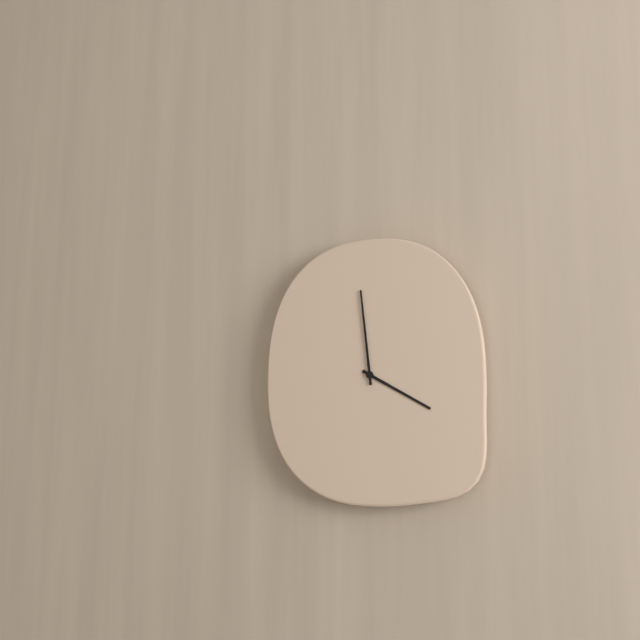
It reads 3:59
